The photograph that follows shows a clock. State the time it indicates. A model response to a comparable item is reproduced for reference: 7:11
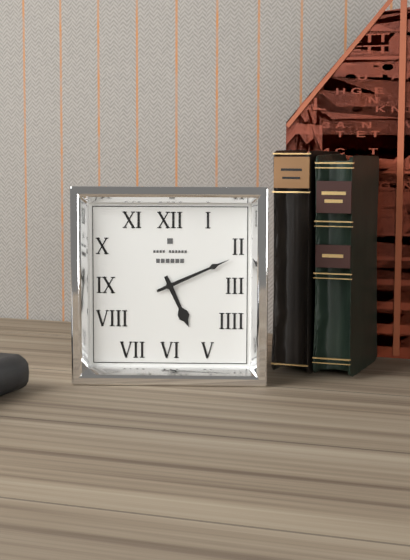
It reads 5:11
